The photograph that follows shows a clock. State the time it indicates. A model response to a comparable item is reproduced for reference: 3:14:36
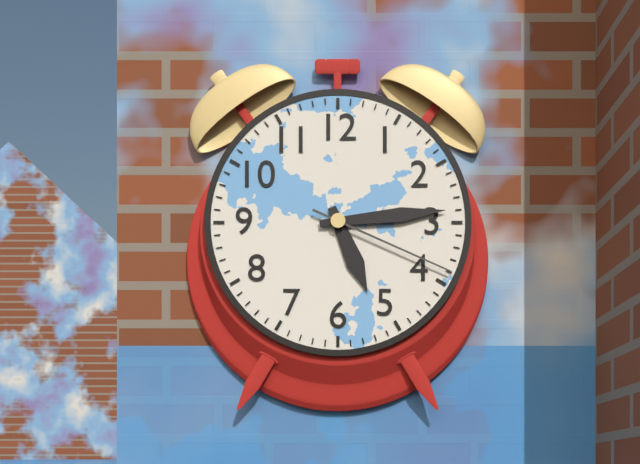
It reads 5:14:19
